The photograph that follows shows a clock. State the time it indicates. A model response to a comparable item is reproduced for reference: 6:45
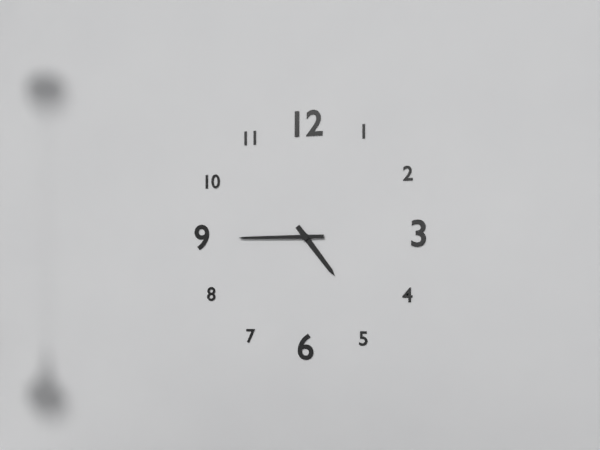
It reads 4:45
